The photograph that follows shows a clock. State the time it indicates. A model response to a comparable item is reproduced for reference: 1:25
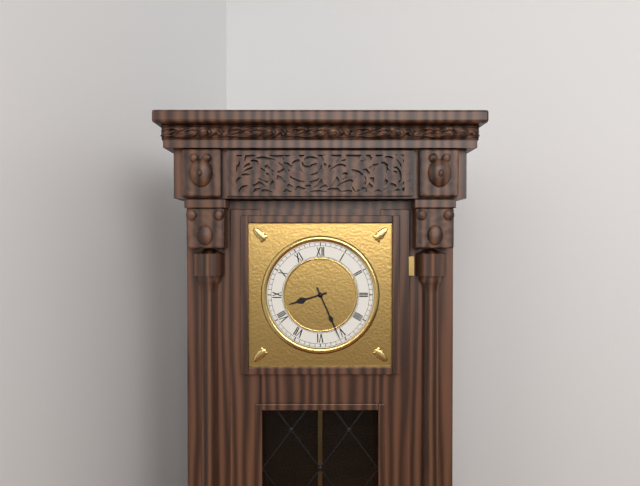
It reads 8:26
